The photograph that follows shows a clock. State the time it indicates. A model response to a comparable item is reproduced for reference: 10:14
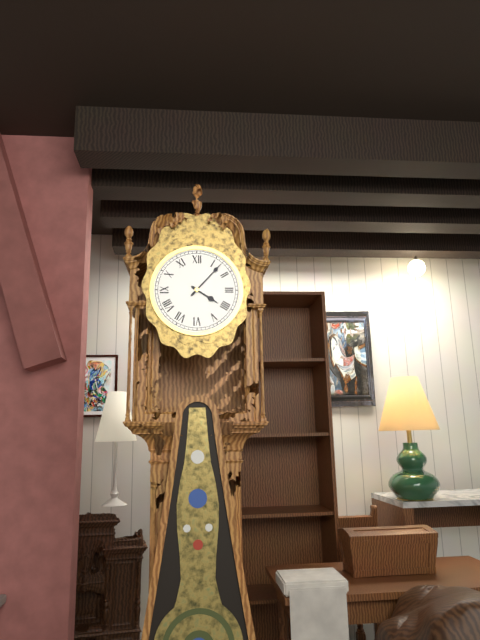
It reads 4:07
